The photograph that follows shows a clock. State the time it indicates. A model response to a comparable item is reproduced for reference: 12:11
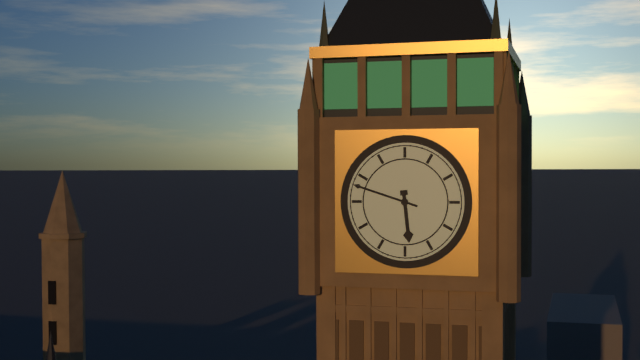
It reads 5:48
